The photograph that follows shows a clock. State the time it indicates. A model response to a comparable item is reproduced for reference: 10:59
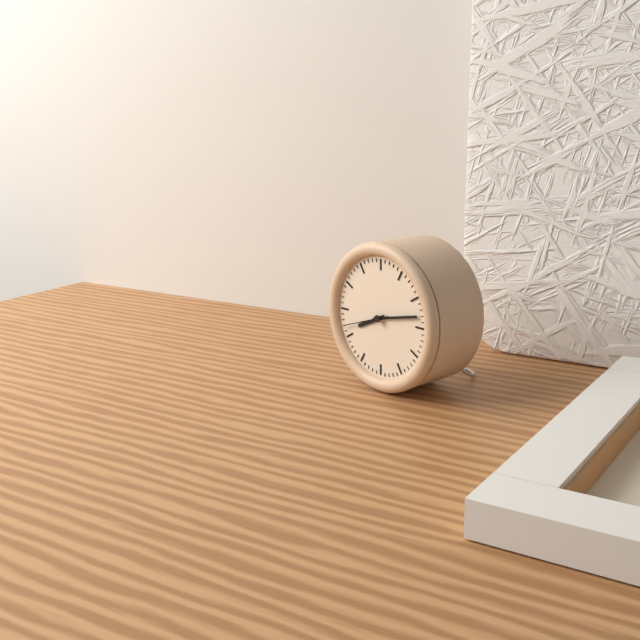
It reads 8:13
